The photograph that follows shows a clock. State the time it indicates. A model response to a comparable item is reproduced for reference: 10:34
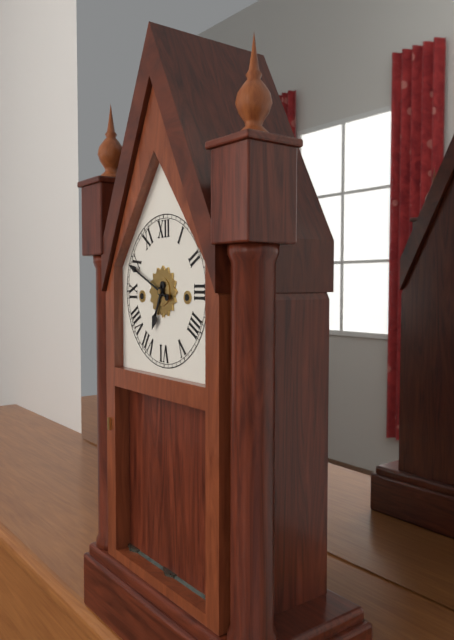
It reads 6:49
